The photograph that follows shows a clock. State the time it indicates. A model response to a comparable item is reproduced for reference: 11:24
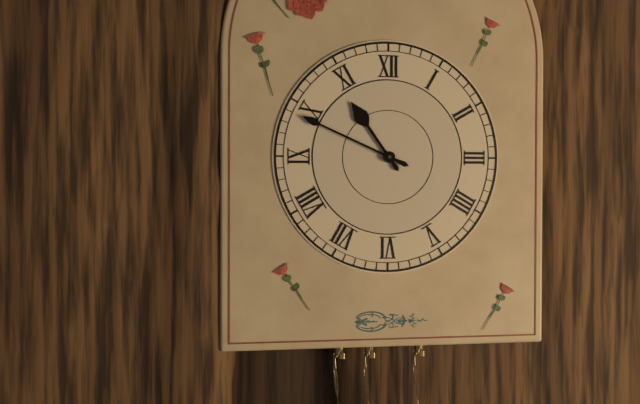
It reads 10:49
